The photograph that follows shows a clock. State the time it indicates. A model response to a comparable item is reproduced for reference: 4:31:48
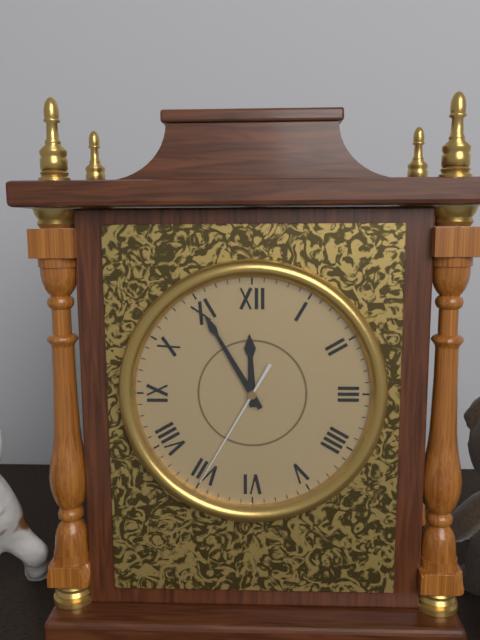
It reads 11:55:35
